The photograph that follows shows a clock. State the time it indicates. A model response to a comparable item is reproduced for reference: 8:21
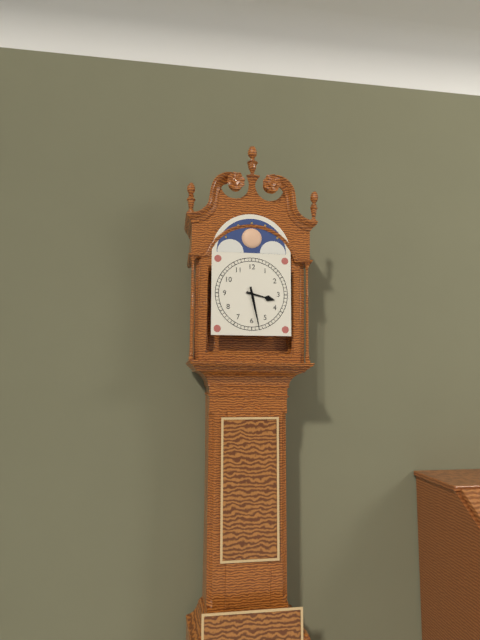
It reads 3:28
